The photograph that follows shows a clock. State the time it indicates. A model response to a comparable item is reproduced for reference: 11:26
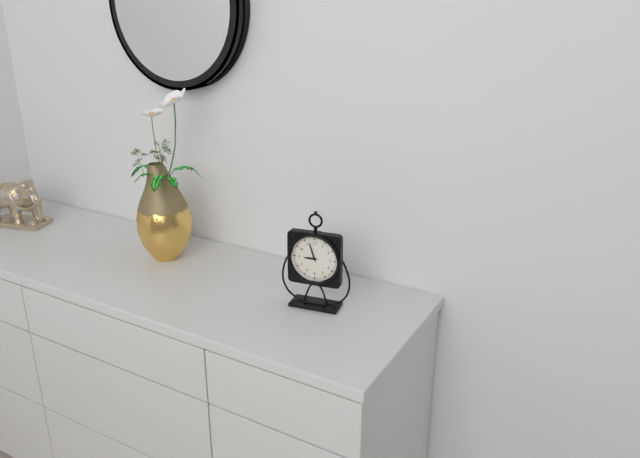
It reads 8:57
